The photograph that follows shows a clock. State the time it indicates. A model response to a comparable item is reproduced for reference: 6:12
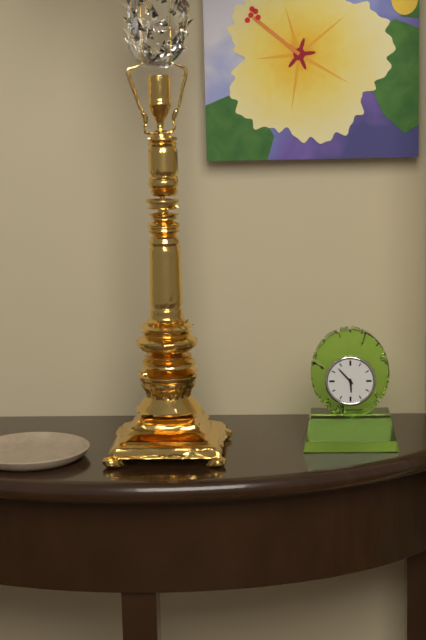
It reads 5:53
